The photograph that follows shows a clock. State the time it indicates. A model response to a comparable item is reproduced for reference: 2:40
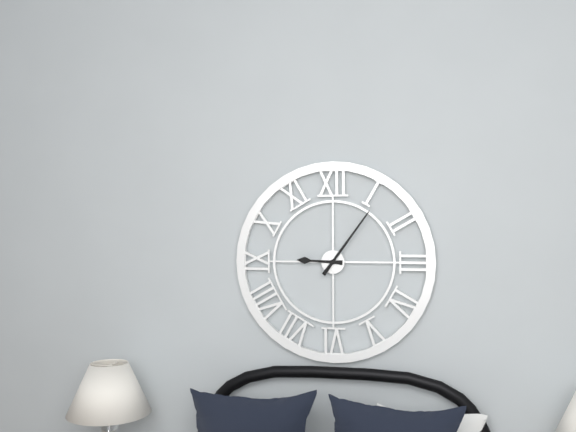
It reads 9:06
